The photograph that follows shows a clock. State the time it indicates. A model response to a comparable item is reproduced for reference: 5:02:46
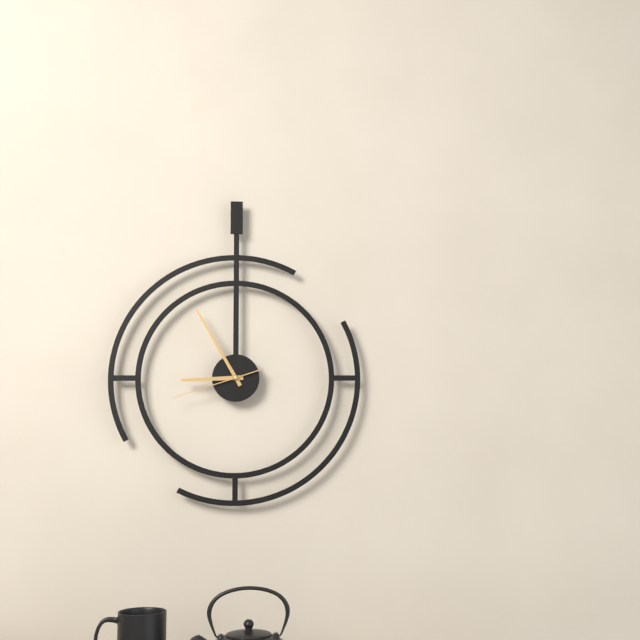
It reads 8:55:42
